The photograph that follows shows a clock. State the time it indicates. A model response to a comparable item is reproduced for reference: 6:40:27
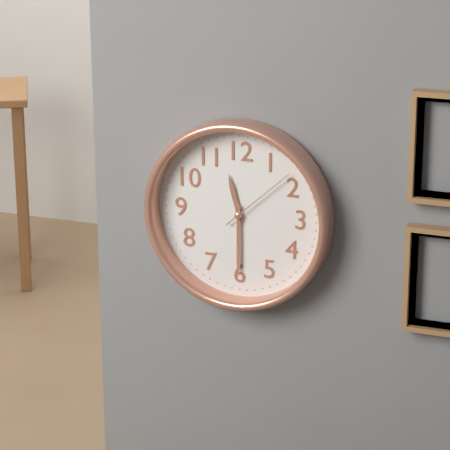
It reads 11:30:08
